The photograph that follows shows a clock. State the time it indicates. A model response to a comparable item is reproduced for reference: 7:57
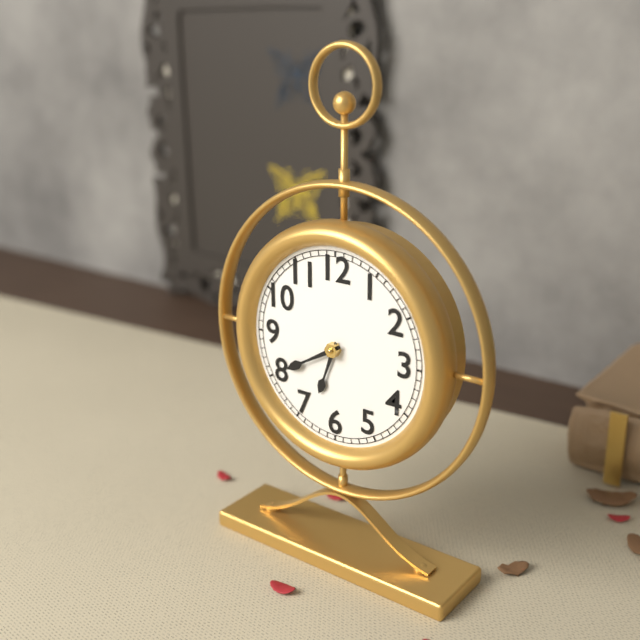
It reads 6:40
